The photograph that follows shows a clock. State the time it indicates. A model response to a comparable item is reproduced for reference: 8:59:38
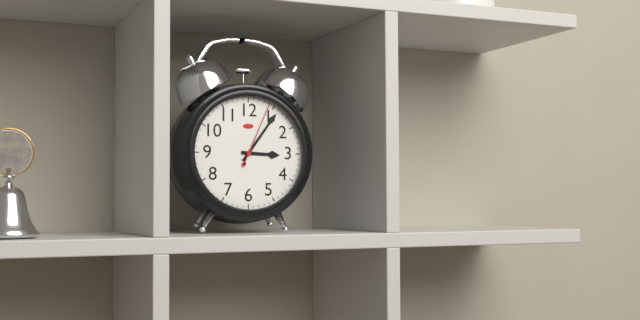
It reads 3:06:04
